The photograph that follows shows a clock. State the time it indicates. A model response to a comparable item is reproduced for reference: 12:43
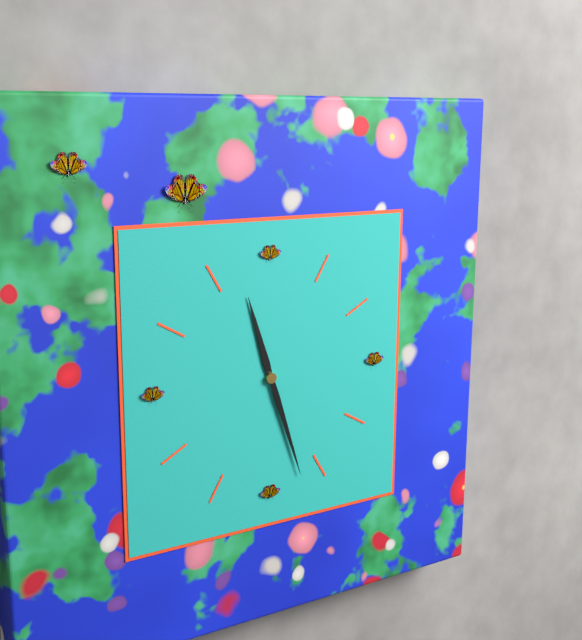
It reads 11:27
